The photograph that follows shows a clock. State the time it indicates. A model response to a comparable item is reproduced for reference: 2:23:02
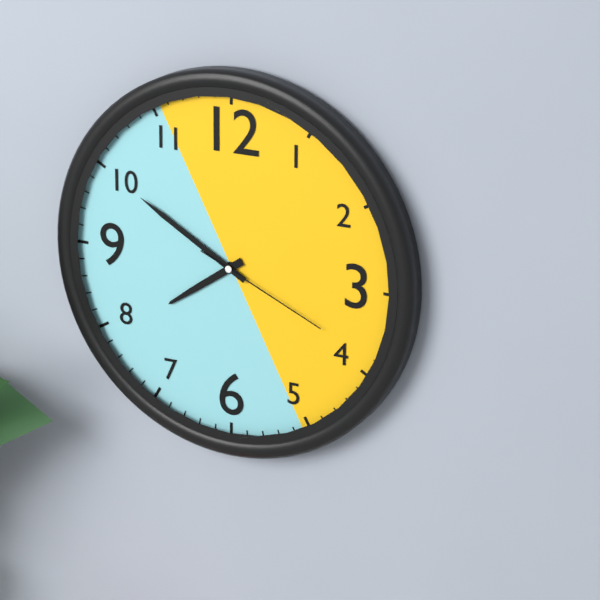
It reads 7:50:19
